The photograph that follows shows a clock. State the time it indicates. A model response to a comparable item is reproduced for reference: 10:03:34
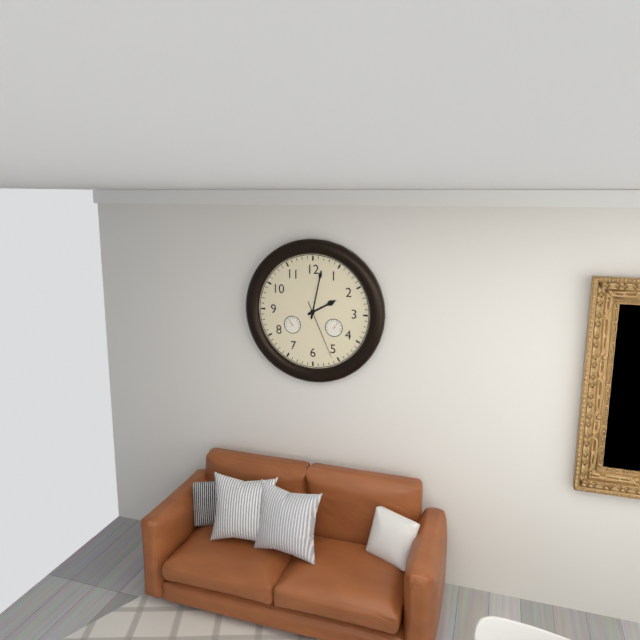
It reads 2:02:26
